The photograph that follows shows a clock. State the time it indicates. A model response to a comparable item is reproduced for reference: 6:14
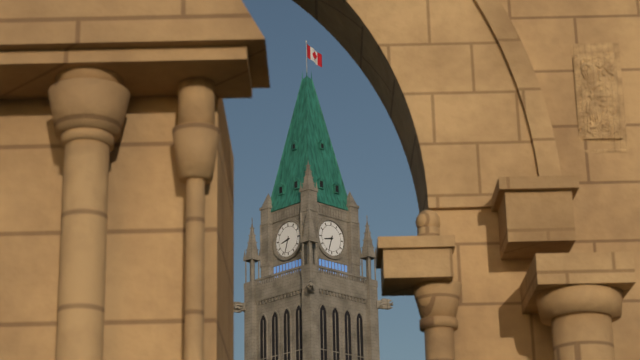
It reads 8:33
